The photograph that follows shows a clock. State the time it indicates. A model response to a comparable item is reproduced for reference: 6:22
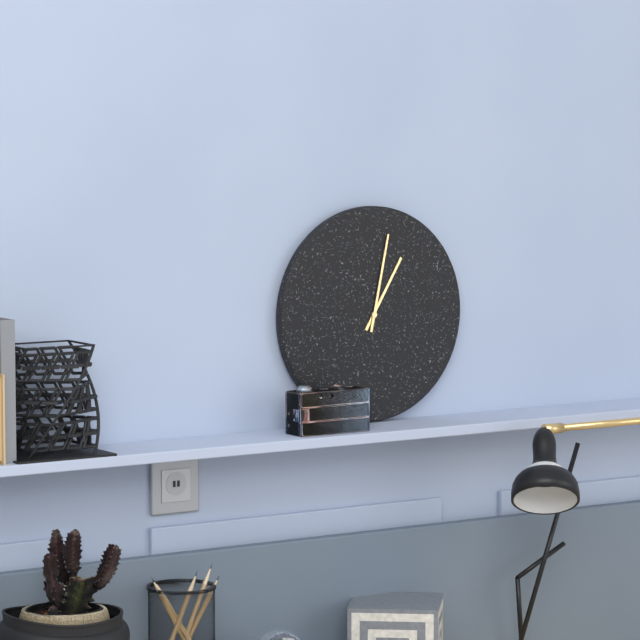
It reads 1:02
